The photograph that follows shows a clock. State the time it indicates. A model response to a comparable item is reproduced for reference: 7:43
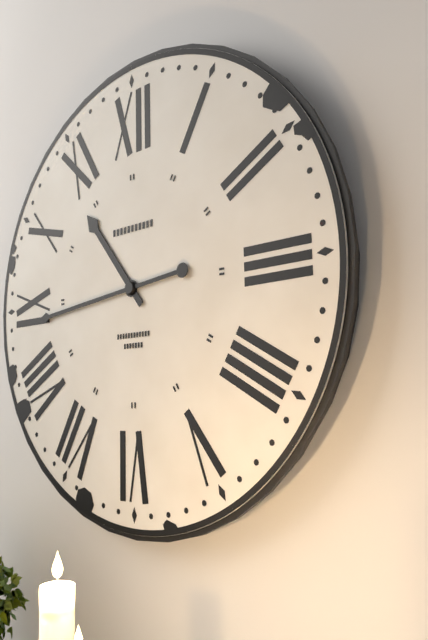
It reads 10:44
